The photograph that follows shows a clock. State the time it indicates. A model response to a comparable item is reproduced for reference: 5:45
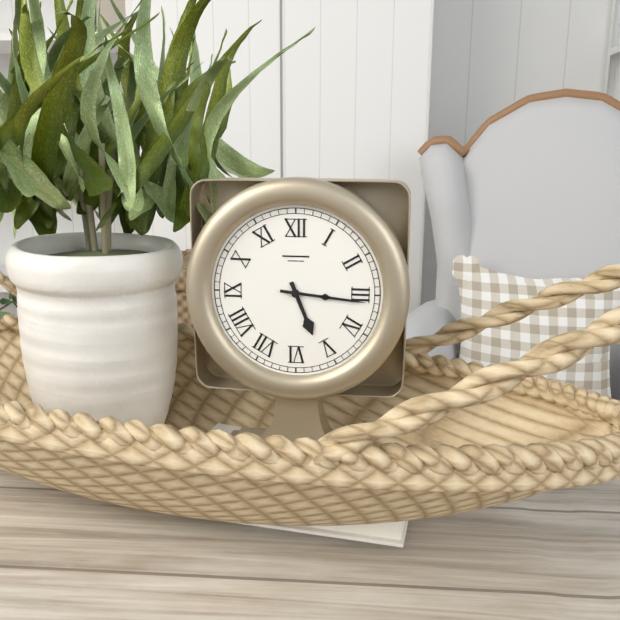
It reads 5:16
